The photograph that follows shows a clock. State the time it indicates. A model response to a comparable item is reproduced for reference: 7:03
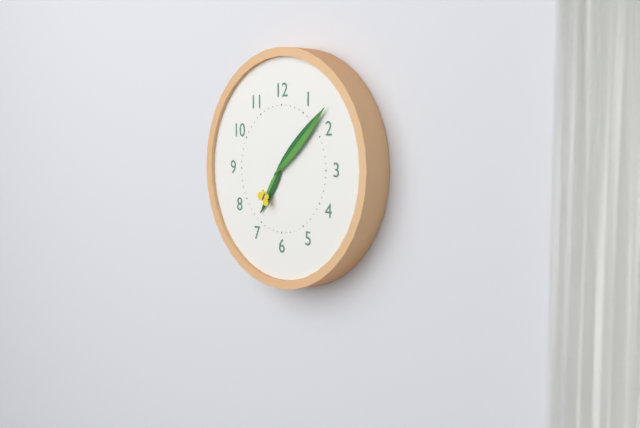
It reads 7:08
